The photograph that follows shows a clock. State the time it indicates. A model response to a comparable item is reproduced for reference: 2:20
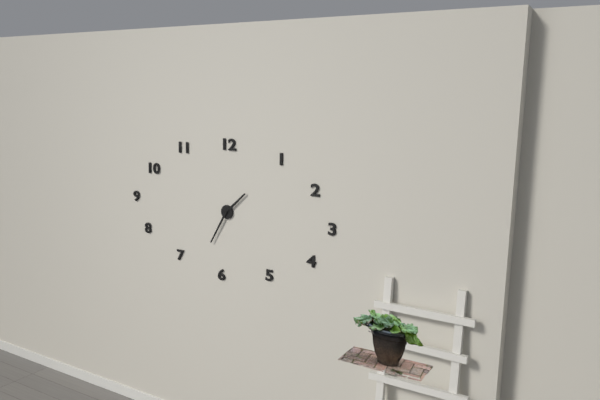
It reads 1:35
